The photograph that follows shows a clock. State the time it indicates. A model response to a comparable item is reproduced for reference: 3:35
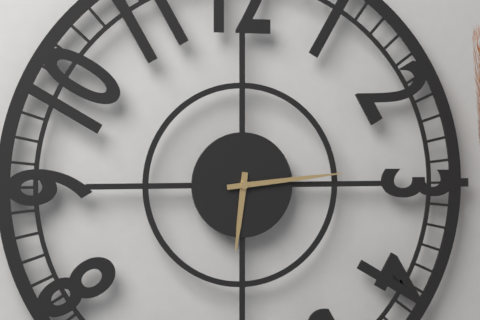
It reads 6:14
